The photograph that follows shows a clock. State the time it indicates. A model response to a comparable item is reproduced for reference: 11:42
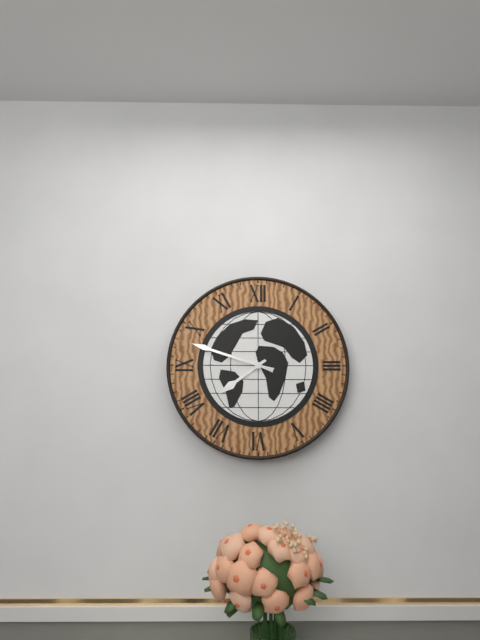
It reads 7:48
